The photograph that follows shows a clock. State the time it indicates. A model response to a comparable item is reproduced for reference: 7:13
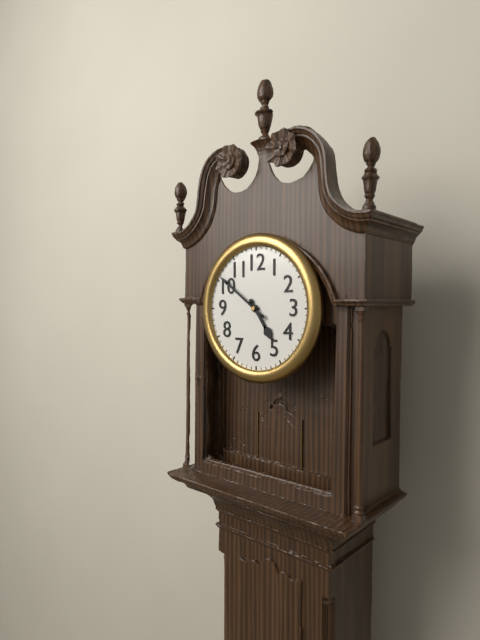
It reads 4:51
